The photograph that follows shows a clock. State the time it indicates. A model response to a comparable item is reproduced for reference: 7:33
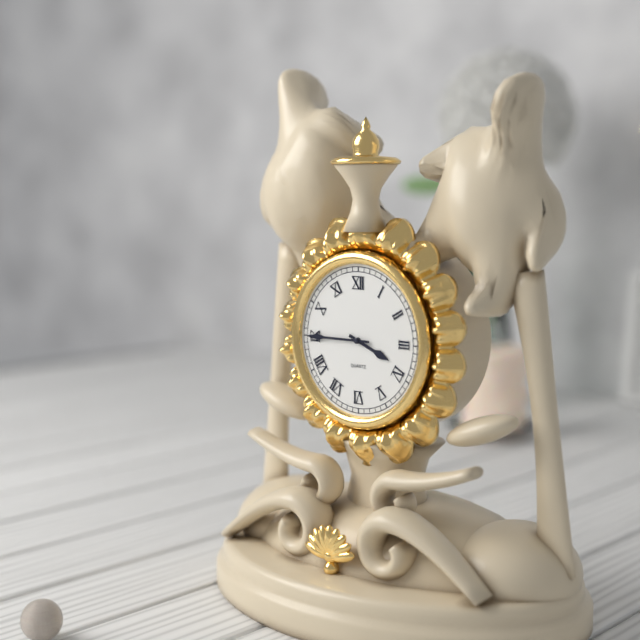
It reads 3:45
